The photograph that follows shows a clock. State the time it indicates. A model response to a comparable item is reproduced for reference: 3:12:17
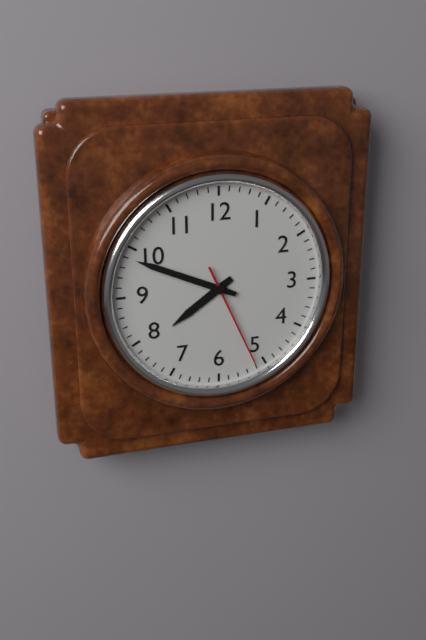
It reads 7:49:26
